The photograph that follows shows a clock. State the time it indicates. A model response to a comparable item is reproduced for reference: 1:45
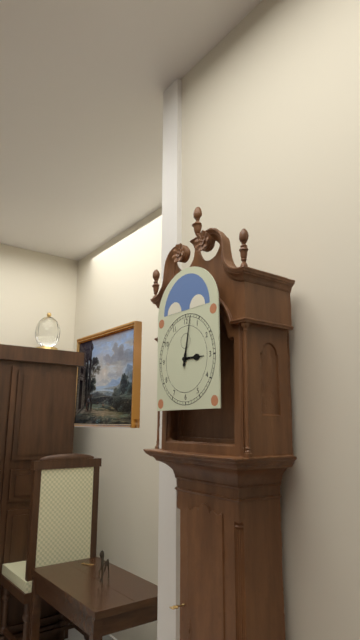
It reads 3:02
